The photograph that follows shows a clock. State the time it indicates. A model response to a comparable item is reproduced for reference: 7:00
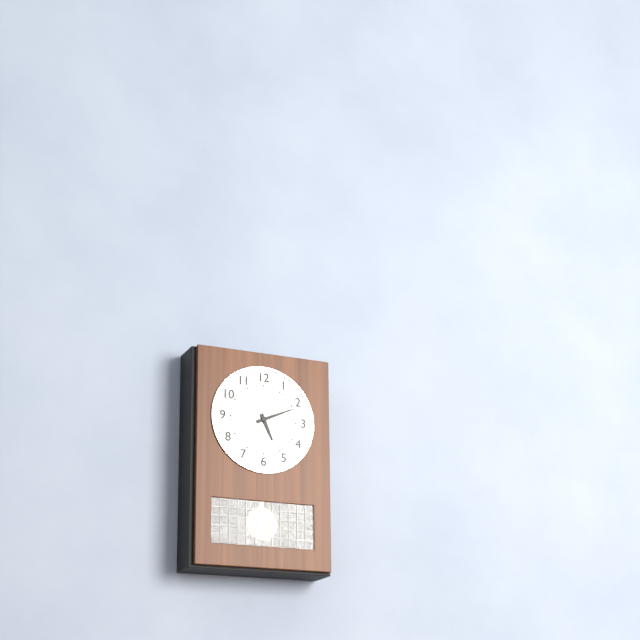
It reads 5:11
